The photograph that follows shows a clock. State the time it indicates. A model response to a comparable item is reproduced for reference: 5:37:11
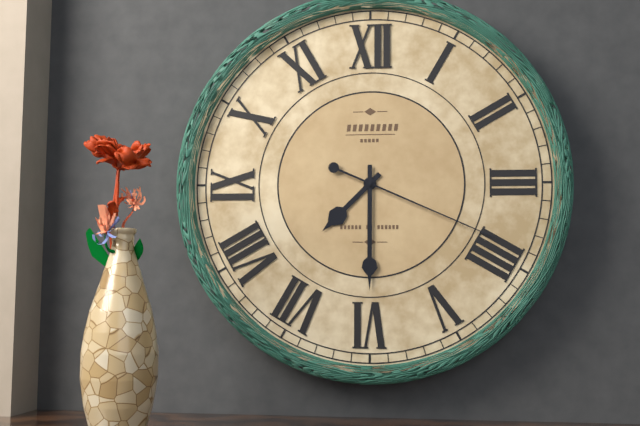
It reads 7:30:19
